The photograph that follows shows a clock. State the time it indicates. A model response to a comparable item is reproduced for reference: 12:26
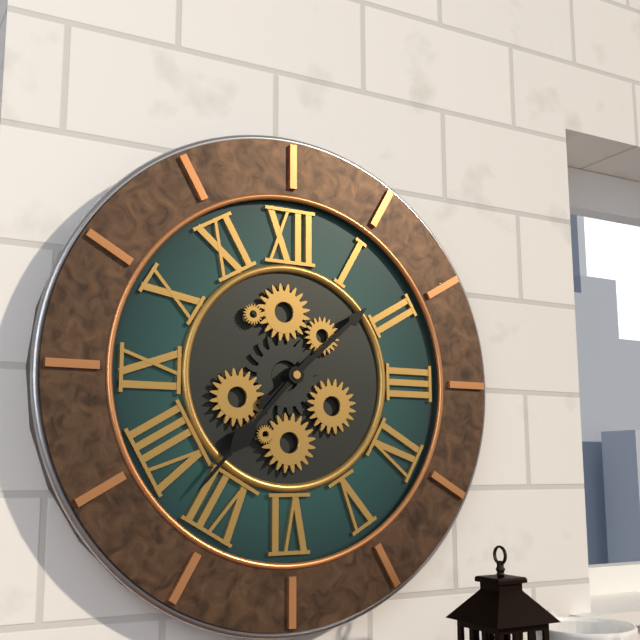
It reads 1:37
